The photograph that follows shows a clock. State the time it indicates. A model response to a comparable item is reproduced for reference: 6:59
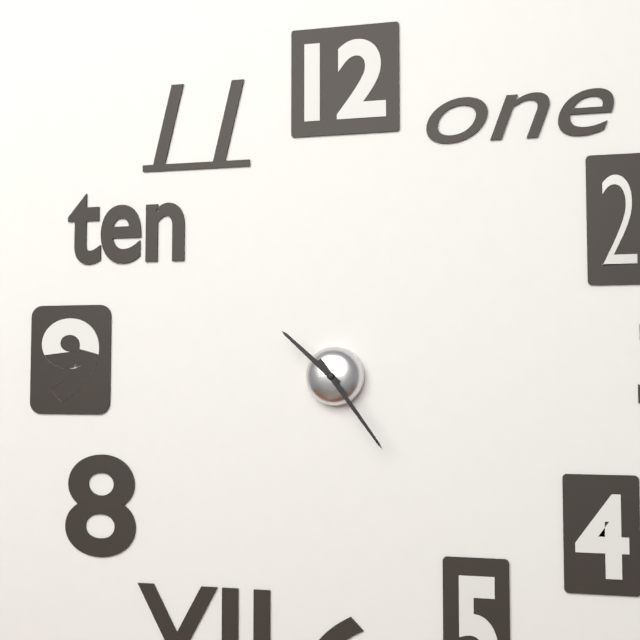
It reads 10:24
